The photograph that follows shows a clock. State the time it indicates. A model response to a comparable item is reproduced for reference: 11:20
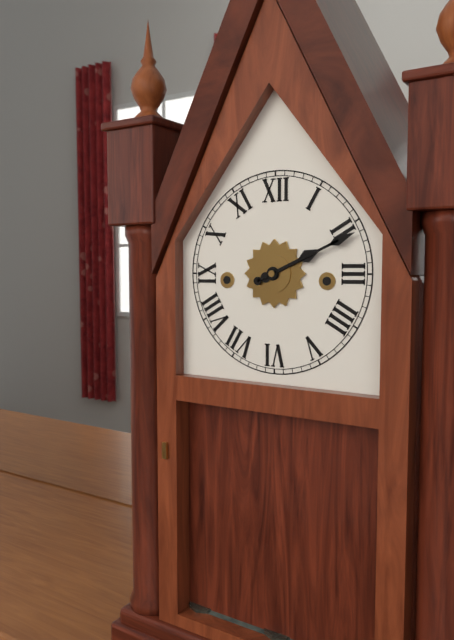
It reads 2:11
